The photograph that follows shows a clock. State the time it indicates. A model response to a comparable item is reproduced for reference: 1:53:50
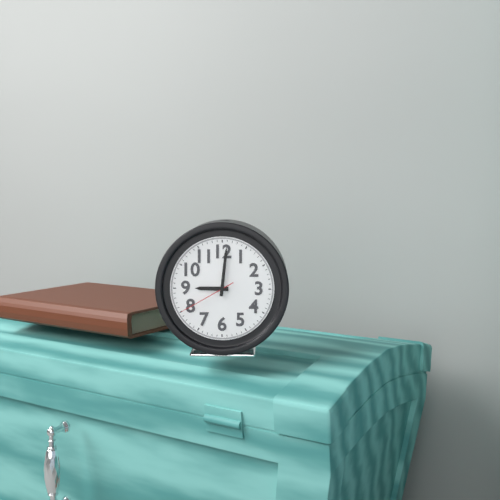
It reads 9:01:40
